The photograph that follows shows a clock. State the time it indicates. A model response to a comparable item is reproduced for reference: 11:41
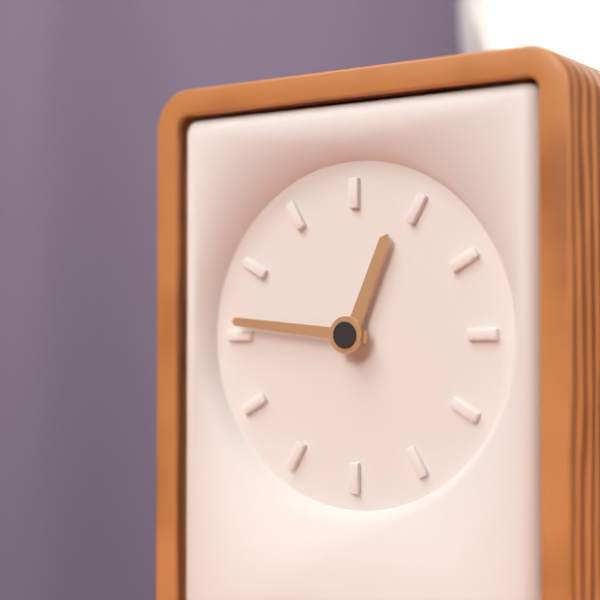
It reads 12:46
